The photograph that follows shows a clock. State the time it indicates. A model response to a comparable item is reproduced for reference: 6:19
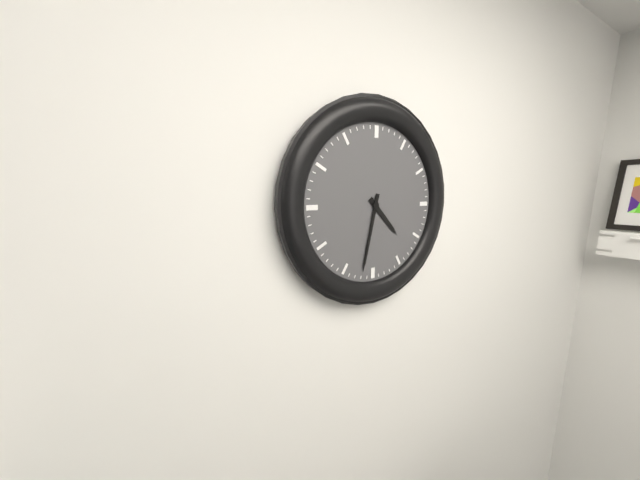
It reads 4:32
